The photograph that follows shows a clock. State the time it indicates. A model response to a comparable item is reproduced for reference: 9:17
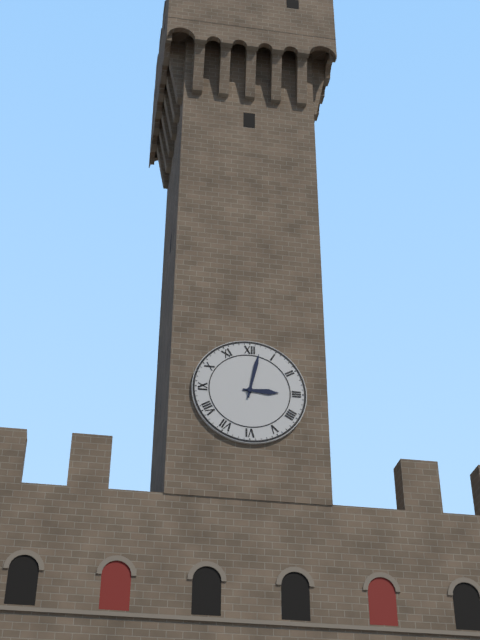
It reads 3:02
